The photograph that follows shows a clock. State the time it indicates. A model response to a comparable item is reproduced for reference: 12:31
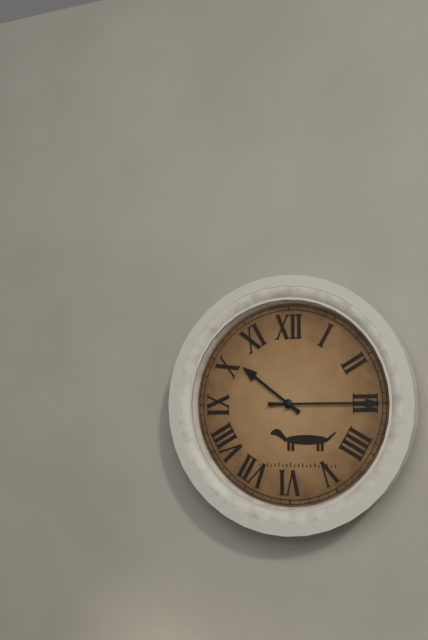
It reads 10:15
